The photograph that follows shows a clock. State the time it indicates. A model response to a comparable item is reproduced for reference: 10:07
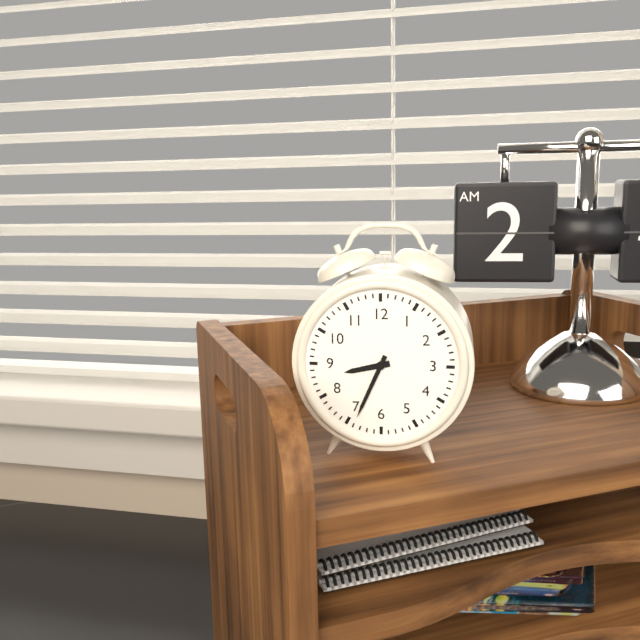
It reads 8:34
